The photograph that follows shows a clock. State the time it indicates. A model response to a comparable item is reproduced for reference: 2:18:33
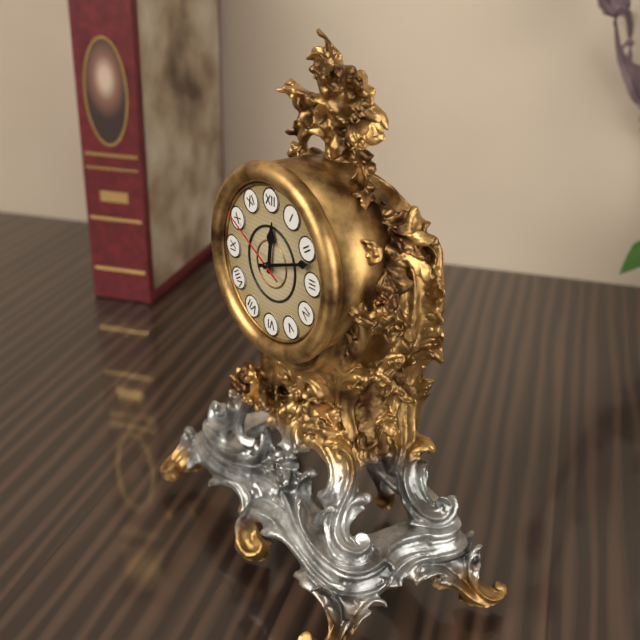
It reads 12:12:50
